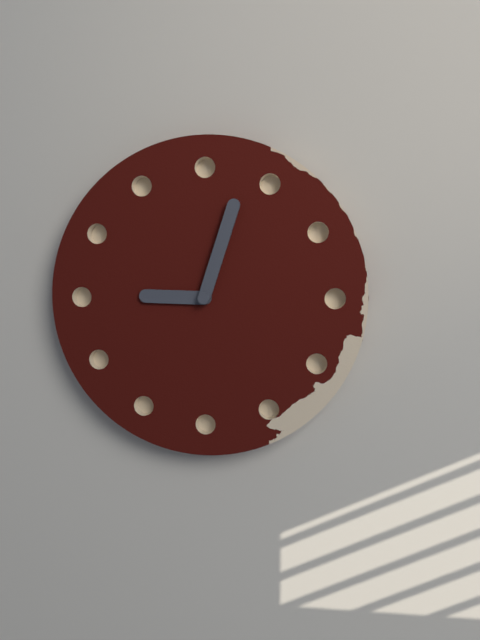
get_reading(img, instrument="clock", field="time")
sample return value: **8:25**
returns **9:03**
